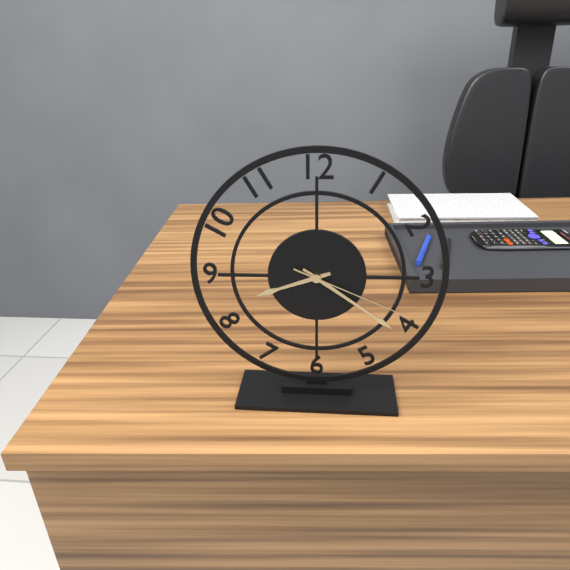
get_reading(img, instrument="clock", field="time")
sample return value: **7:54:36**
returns **8:21:19**
